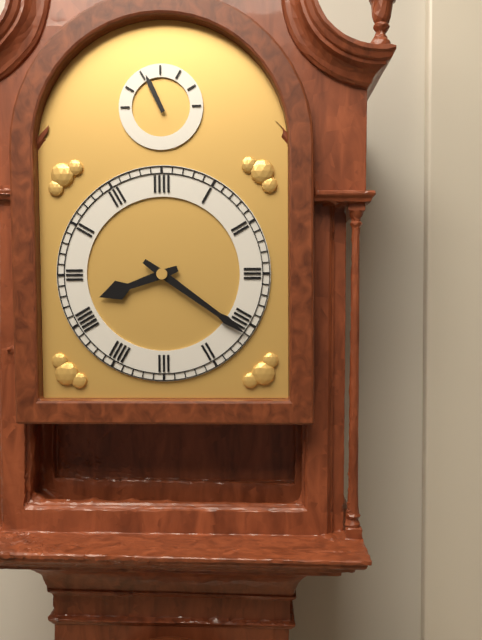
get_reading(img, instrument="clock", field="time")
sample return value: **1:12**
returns **8:21**
